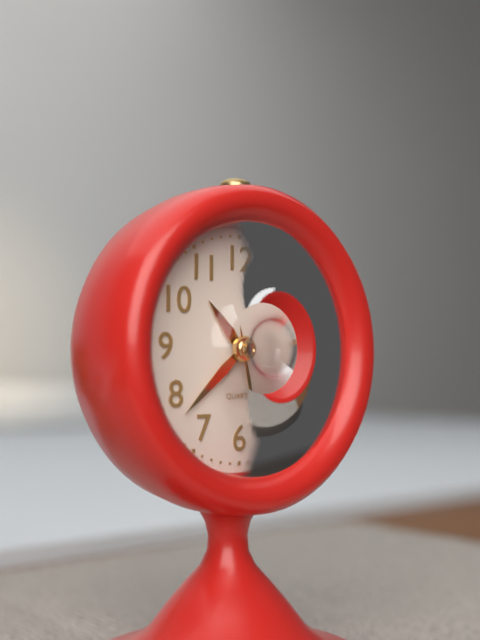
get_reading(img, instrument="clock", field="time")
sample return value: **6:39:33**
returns **10:38:28**
